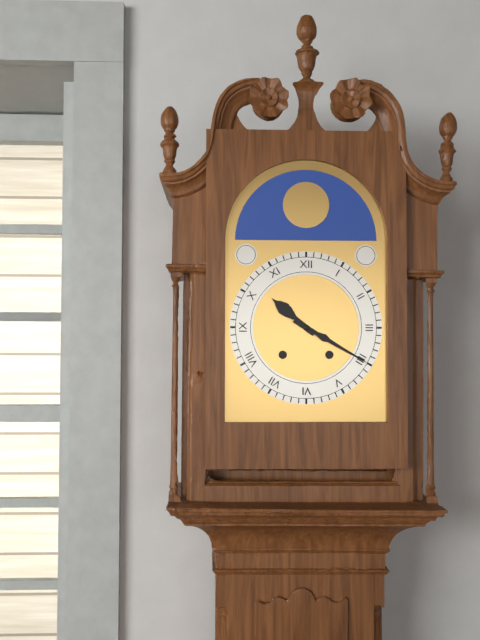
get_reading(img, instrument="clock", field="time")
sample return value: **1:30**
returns **10:20**
